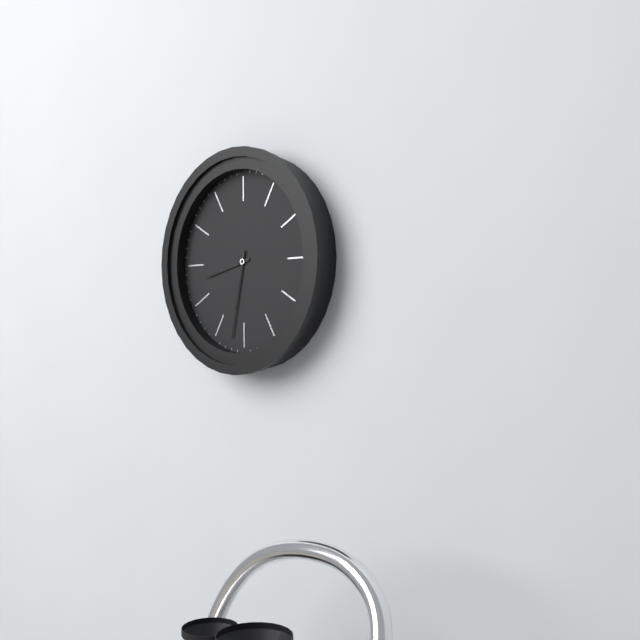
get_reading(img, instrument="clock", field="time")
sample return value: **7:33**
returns **8:32**
